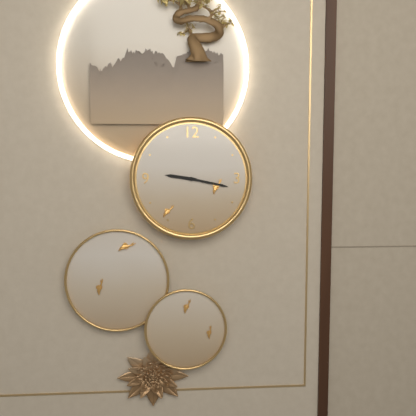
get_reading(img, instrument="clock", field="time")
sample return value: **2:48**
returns **9:17**
